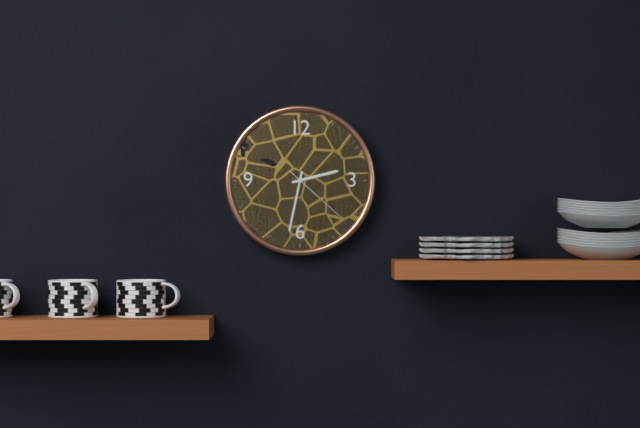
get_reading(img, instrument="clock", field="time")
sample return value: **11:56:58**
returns **2:32:22**
